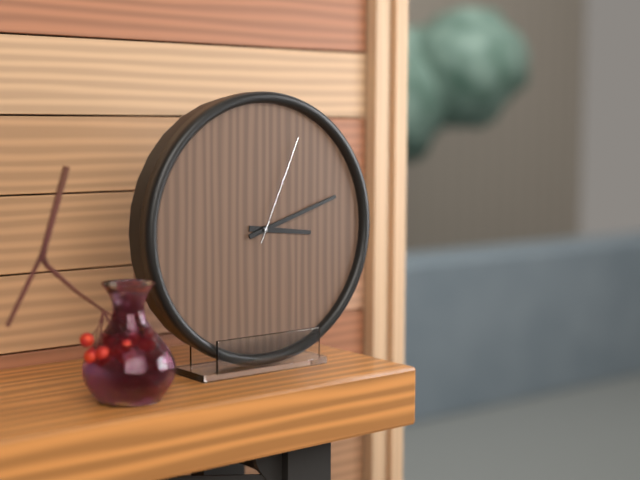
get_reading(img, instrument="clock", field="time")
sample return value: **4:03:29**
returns **3:12:04**
